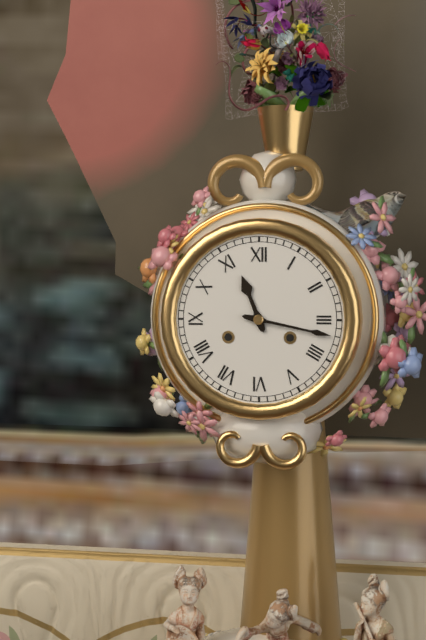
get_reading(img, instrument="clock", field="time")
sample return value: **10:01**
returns **11:17**
